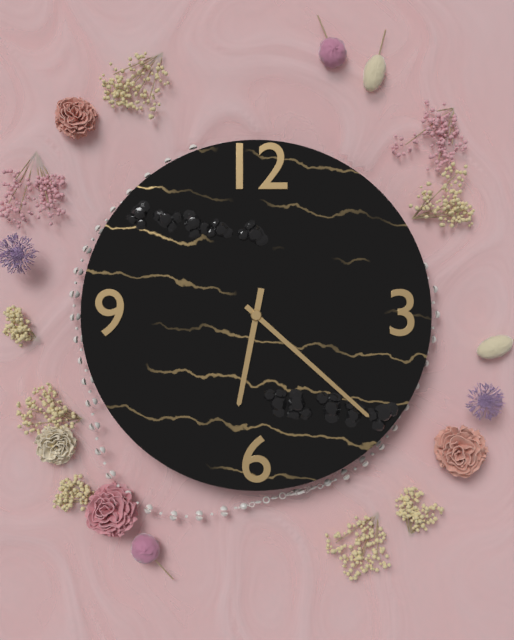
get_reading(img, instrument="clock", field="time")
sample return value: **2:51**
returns **6:22**
